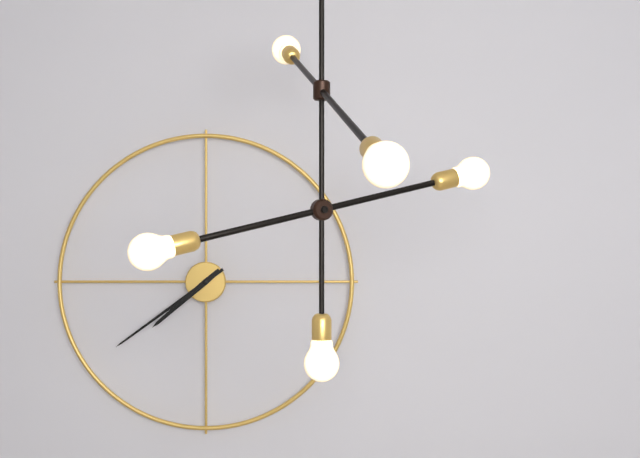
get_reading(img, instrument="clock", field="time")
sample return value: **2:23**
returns **7:39**
